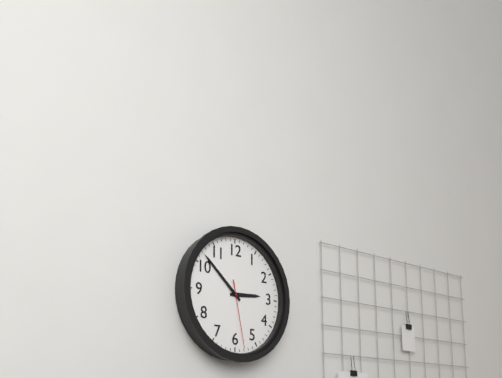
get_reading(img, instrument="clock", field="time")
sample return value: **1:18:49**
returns **2:52:28**
